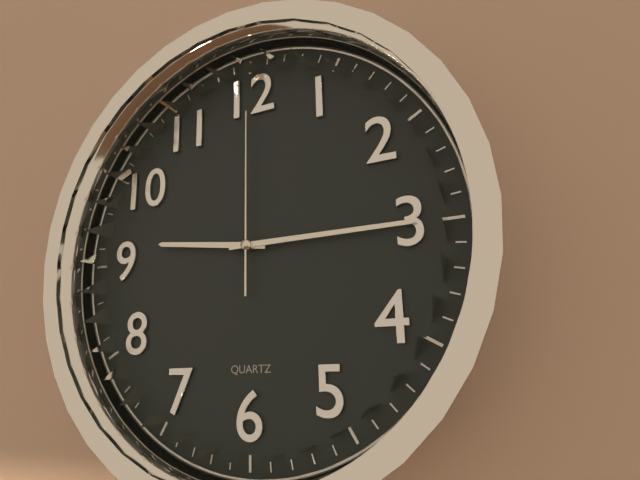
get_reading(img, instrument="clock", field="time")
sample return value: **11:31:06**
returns **9:15:00**
